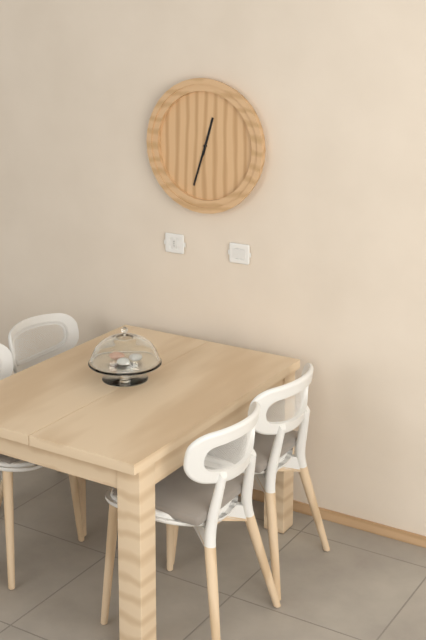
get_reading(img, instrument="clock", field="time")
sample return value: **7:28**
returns **12:33**
